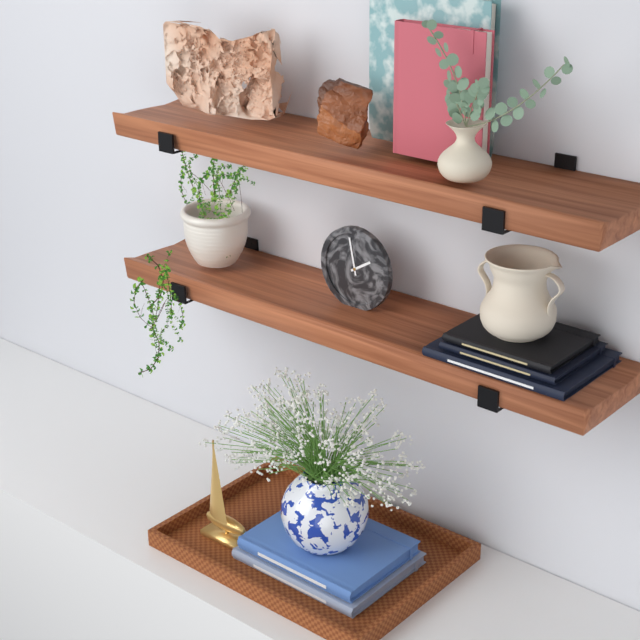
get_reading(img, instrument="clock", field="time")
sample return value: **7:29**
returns **1:58**
